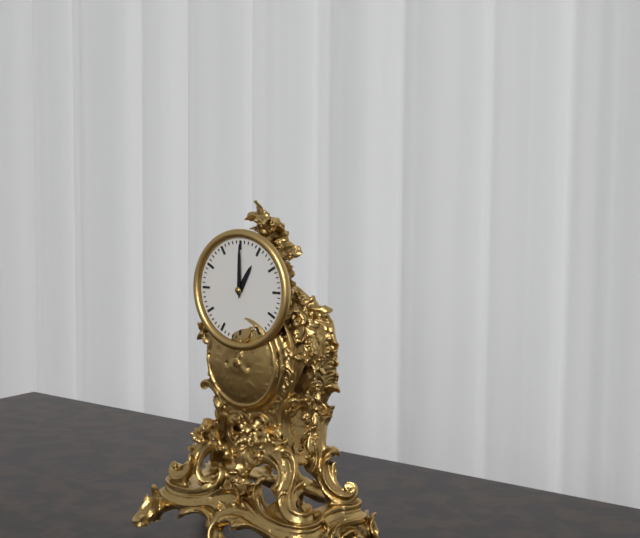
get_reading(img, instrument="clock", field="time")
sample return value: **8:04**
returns **1:00**
